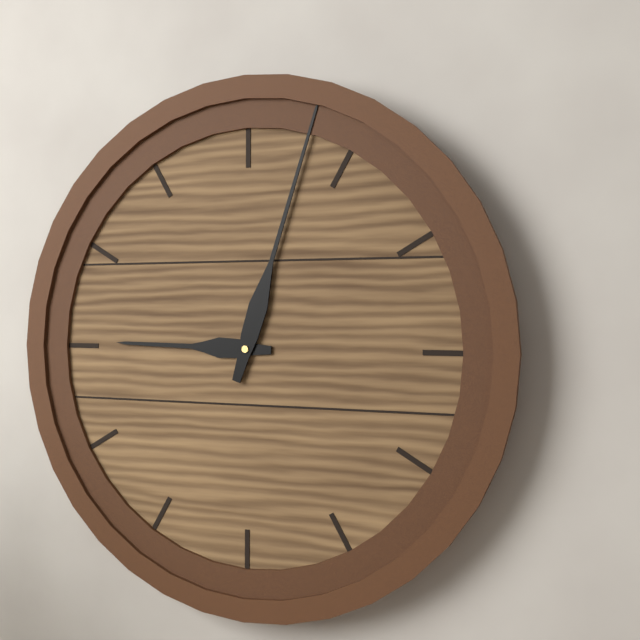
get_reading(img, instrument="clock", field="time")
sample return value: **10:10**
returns **9:03**
